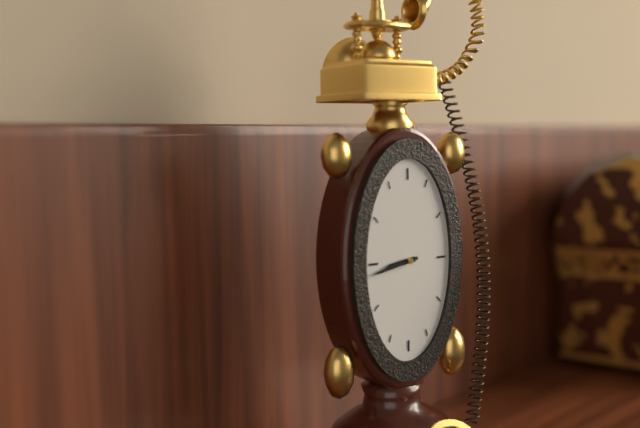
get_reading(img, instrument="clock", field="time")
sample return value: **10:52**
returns **8:43**
